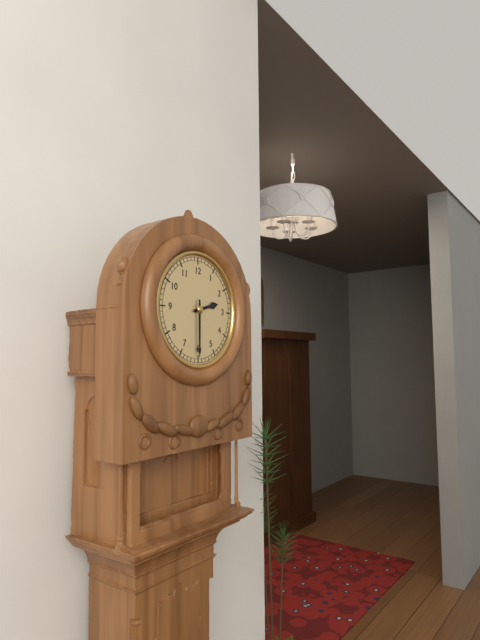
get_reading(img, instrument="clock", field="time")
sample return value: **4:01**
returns **2:30**
